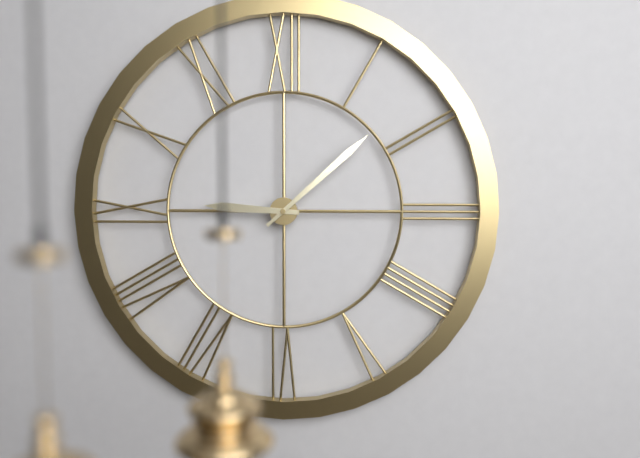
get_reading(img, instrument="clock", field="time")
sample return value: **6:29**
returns **9:08**
